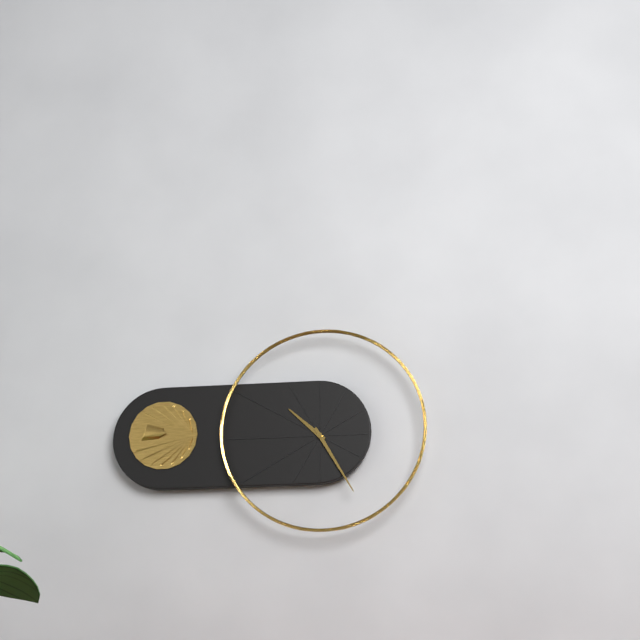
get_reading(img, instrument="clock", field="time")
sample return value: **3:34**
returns **10:25**
